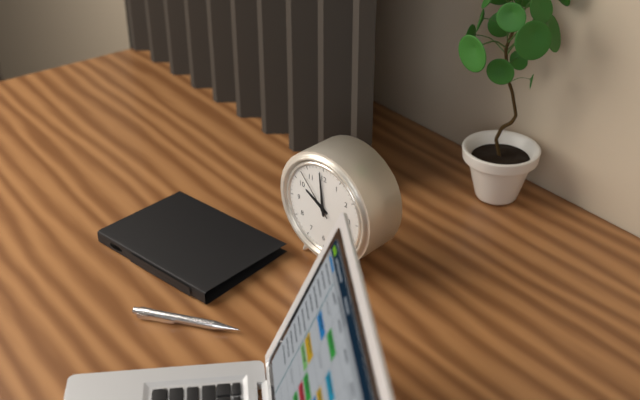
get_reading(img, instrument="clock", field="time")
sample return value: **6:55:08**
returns **9:59:53**
